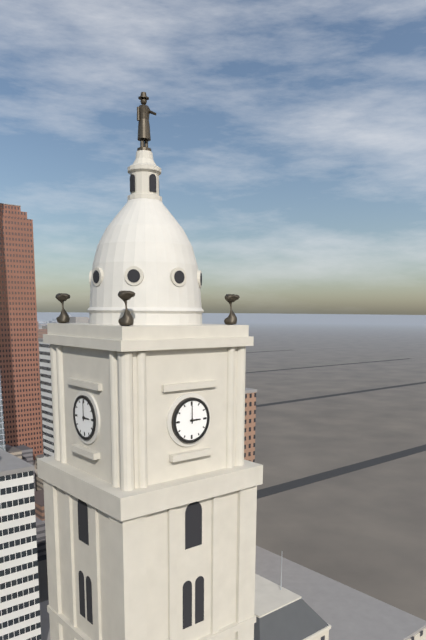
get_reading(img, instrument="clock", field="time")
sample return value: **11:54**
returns **3:00**
